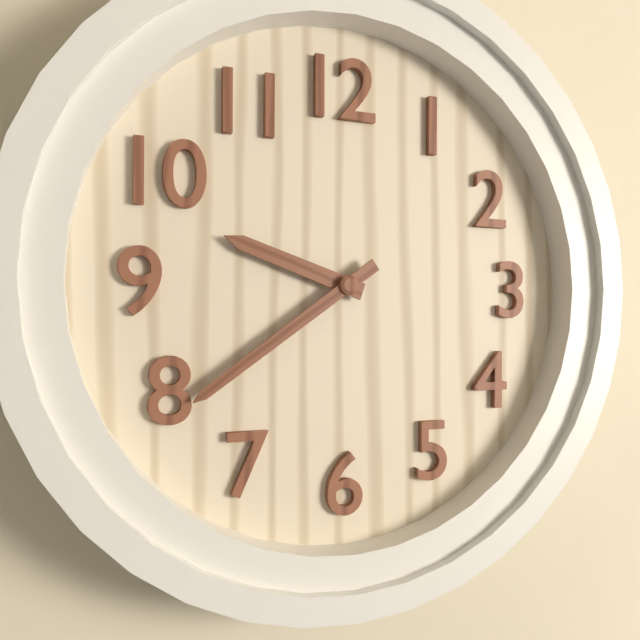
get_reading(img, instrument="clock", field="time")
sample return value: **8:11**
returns **9:39**
